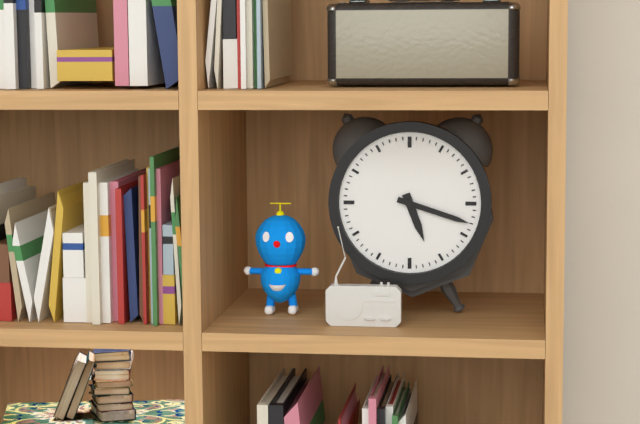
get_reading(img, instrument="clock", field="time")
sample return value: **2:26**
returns **5:18**
